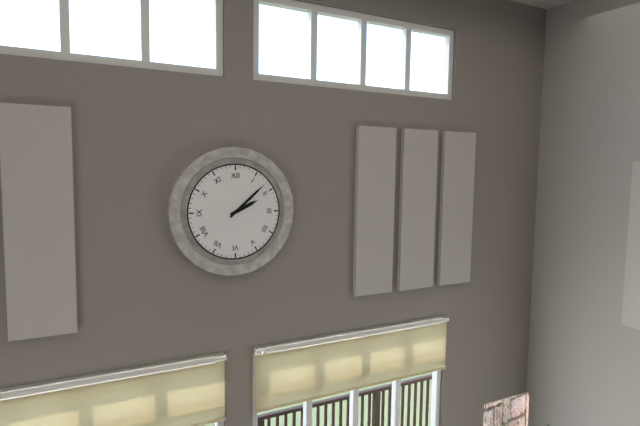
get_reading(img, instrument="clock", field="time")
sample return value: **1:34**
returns **2:08**
